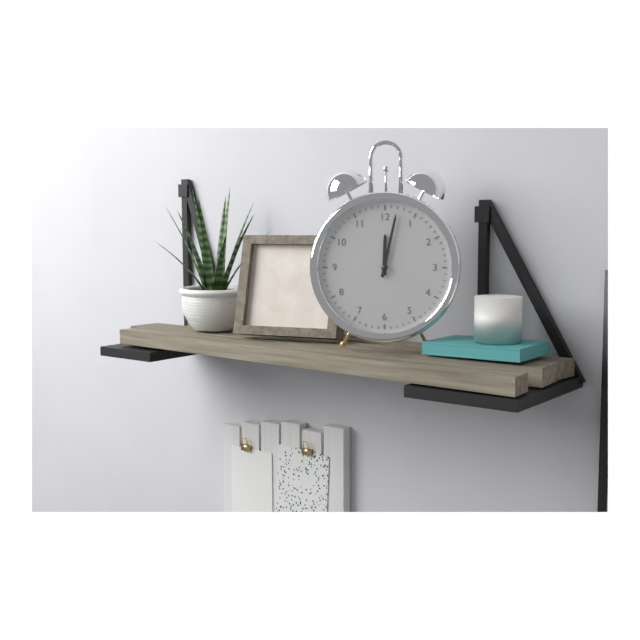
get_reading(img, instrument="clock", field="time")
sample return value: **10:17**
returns **12:02**
